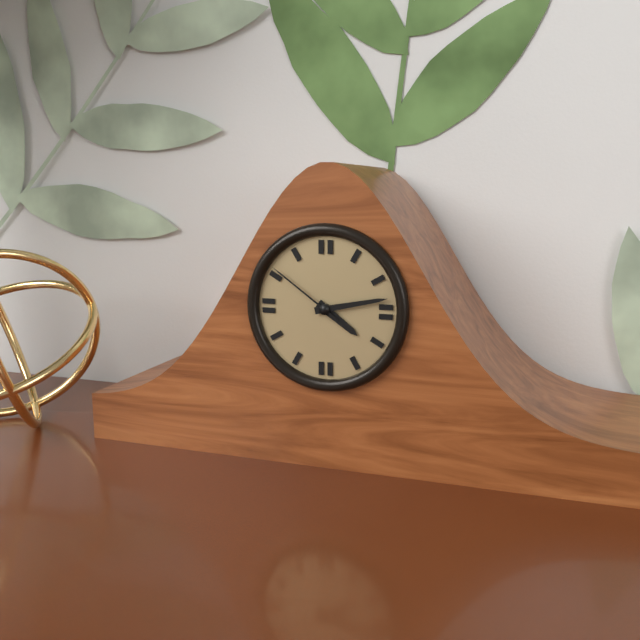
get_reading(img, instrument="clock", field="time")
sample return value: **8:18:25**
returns **4:13:51**
